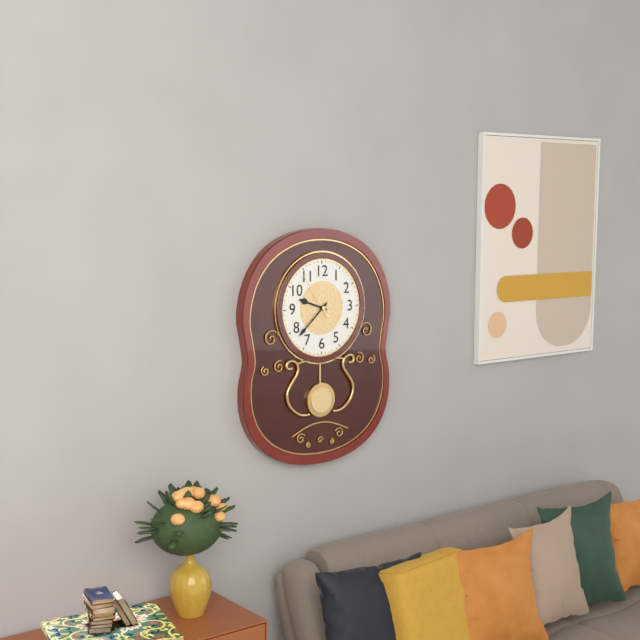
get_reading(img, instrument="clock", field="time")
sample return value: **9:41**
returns **9:38**
